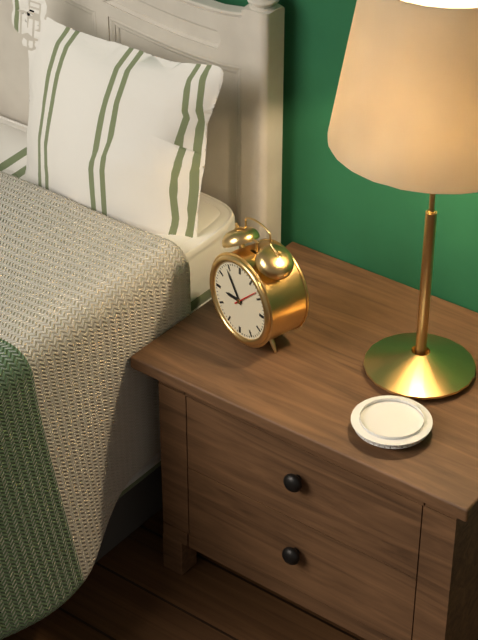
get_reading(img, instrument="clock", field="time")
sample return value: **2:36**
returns **8:54**
